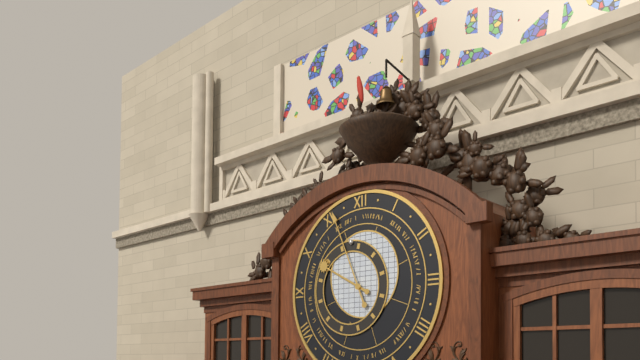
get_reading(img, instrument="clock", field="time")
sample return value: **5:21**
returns **9:56**
